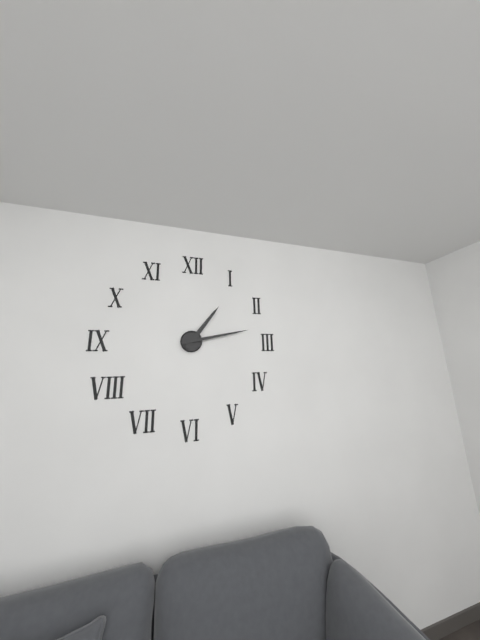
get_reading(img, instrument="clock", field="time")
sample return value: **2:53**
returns **1:13**
